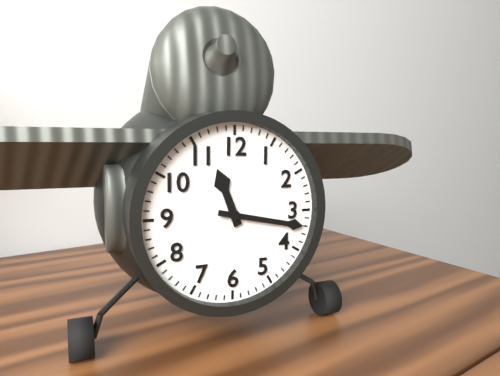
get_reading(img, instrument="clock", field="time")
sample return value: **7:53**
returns **11:17**
